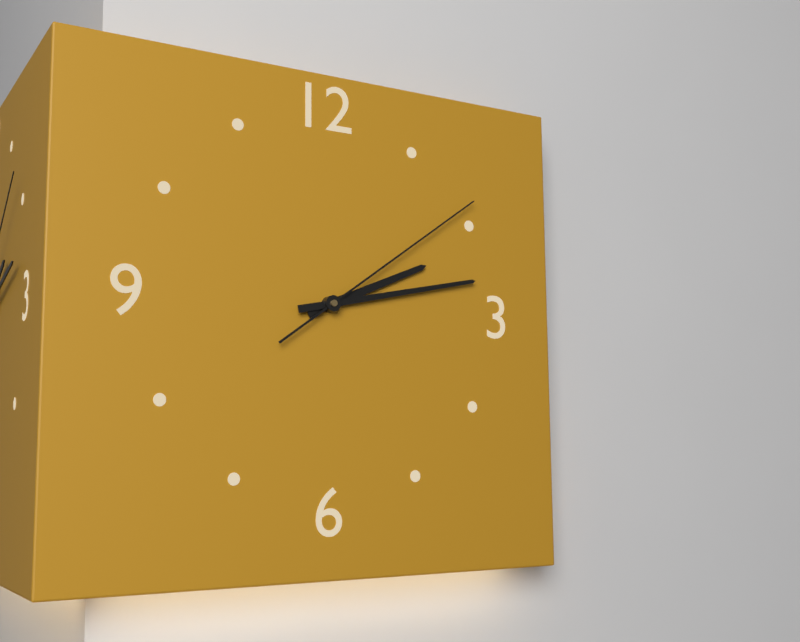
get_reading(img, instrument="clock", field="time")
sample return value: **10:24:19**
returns **2:13:09**
